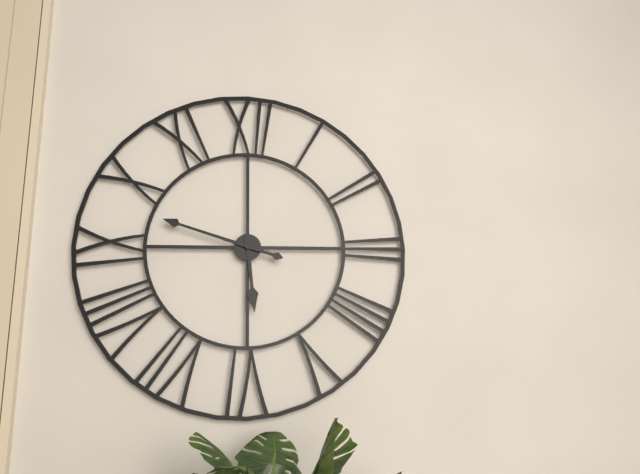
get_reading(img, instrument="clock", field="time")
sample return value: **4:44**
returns **5:48**
